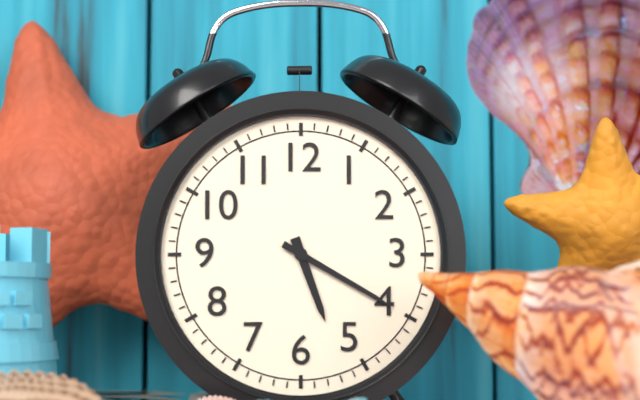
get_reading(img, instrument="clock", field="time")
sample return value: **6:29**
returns **5:20**
